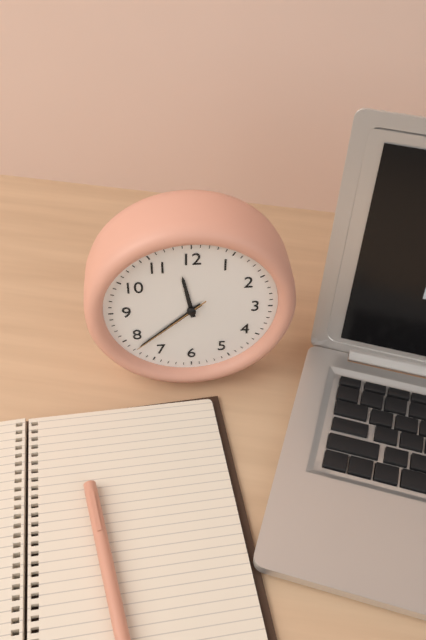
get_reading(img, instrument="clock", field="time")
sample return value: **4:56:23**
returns **11:38:38**
